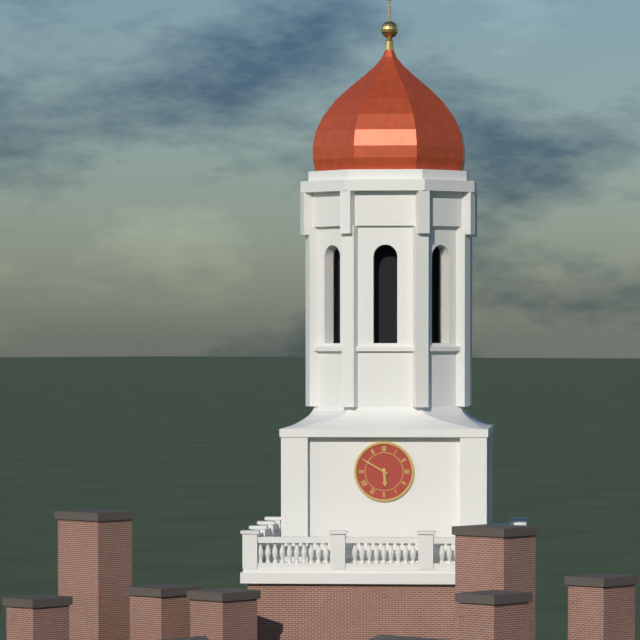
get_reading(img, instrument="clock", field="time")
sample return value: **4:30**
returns **5:50**
